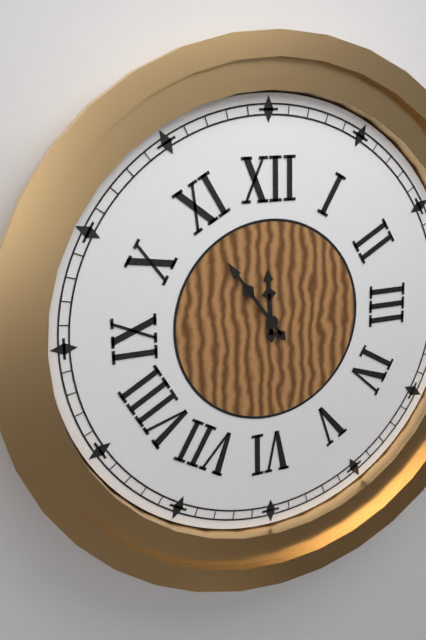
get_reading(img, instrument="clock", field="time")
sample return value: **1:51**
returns **11:54**
